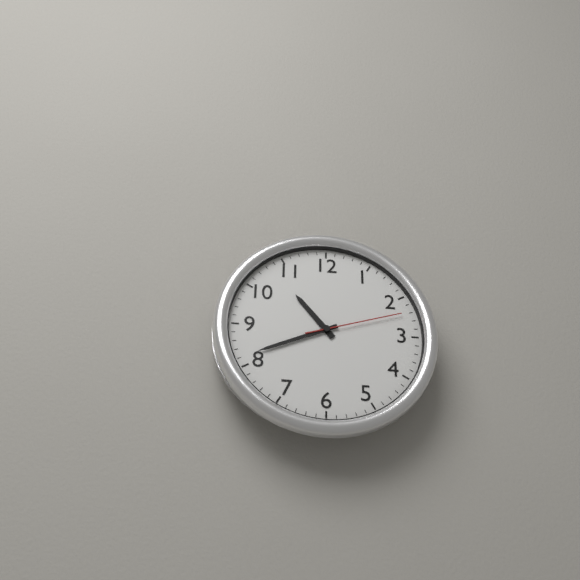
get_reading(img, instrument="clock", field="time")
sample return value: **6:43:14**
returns **10:41:12**
